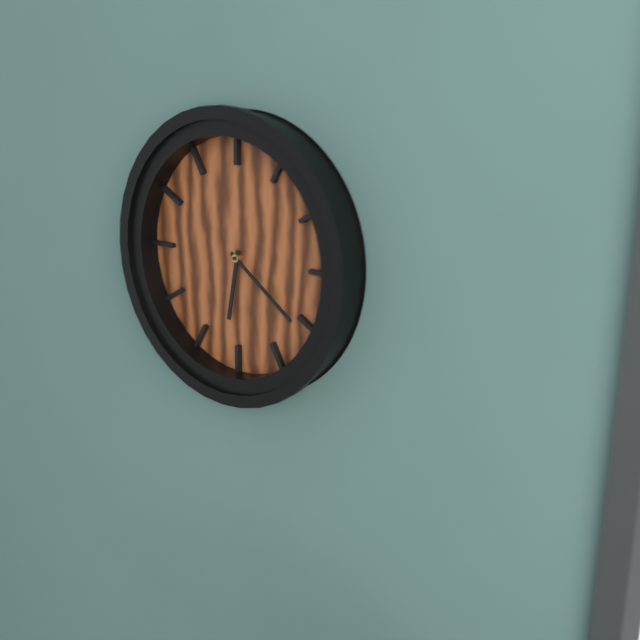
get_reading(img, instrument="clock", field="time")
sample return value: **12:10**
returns **6:21**
